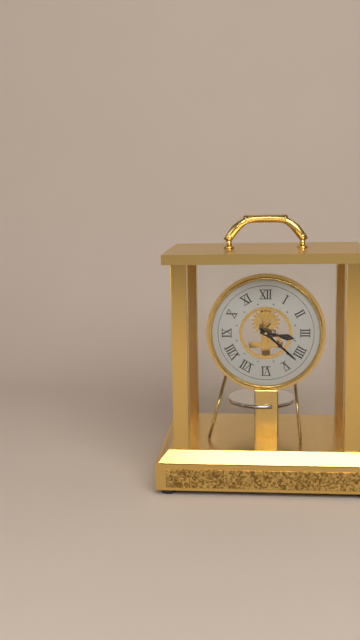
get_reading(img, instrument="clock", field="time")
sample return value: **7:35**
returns **3:22**
